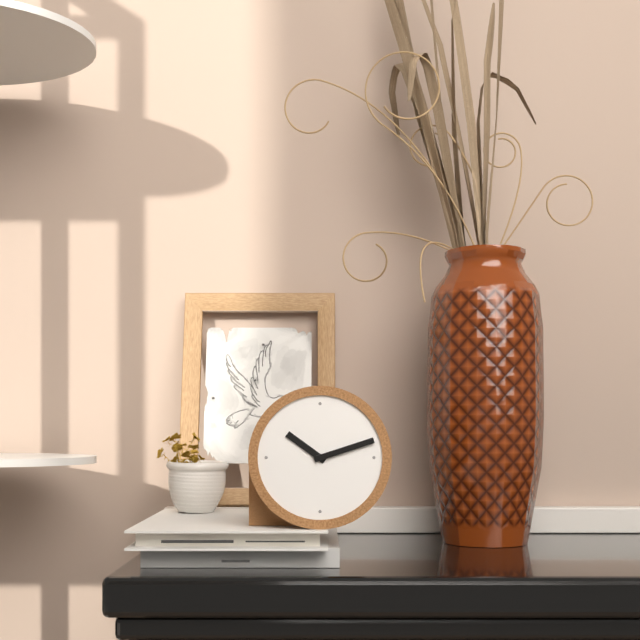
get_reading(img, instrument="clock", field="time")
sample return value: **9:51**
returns **10:12**
